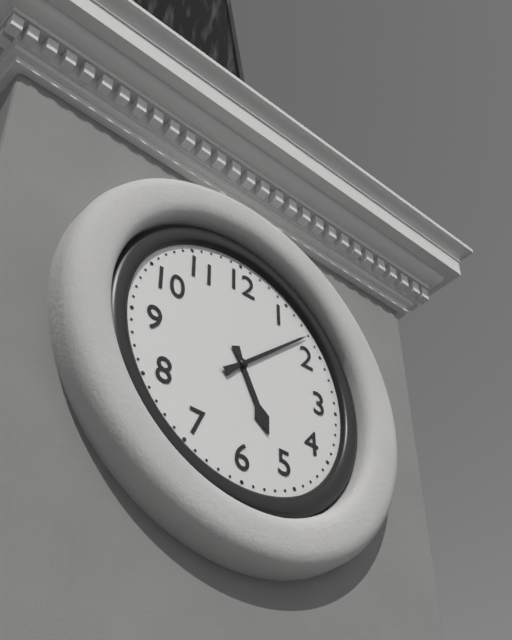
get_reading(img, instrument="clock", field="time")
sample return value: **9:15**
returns **5:08**
